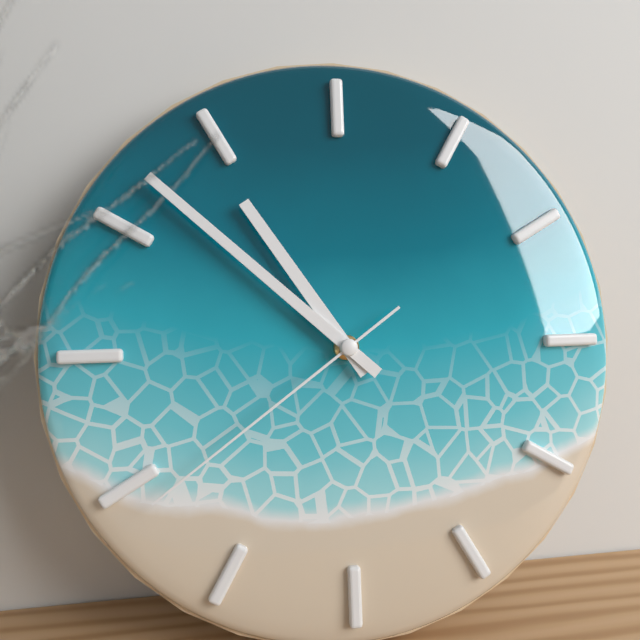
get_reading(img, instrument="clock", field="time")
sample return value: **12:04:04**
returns **10:52:39**
